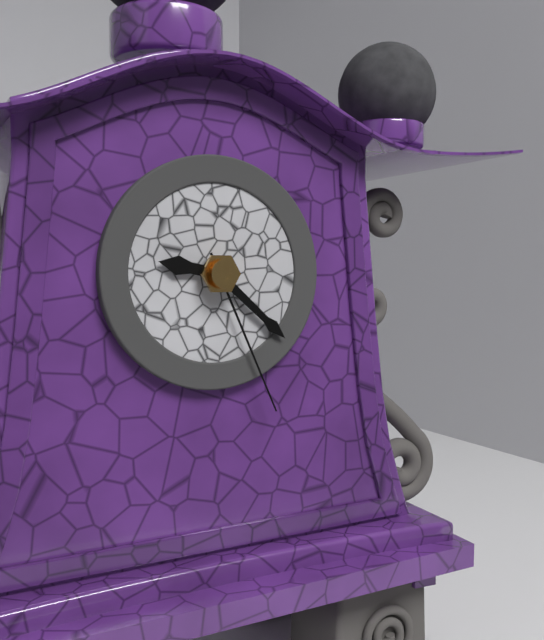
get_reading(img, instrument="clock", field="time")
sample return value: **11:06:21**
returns **9:22:26**
